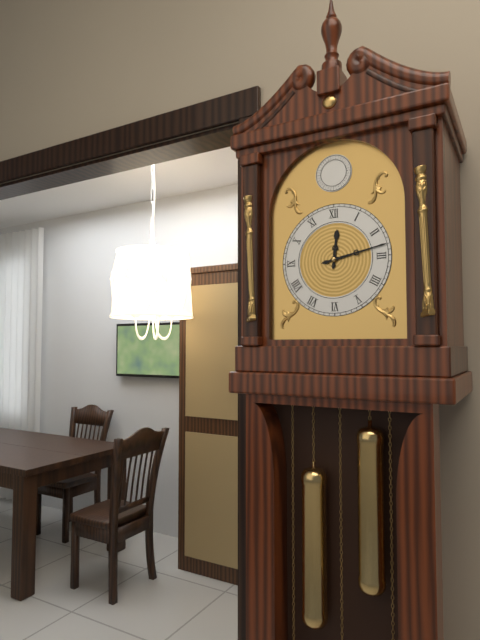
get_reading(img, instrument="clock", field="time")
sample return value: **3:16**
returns **12:13**
